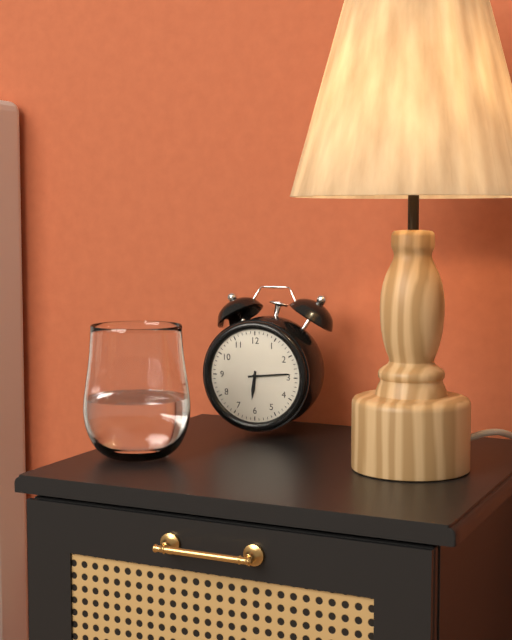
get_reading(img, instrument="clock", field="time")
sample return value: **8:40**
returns **6:14**
